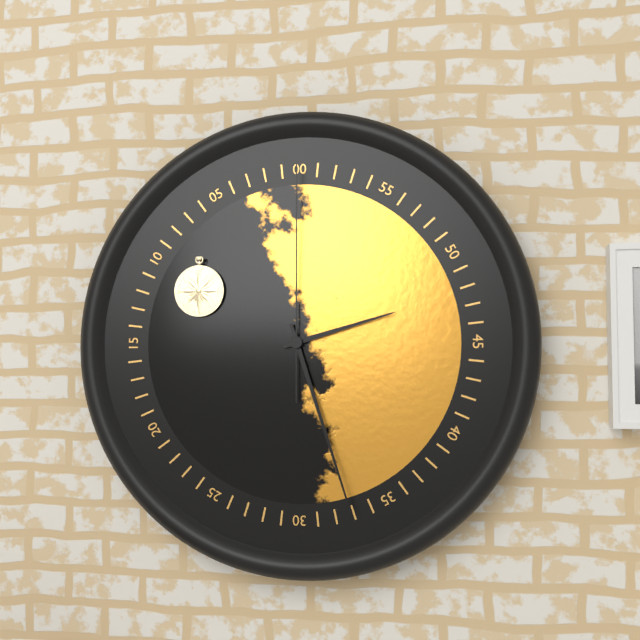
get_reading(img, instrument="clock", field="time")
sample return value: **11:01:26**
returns **2:27:00**
